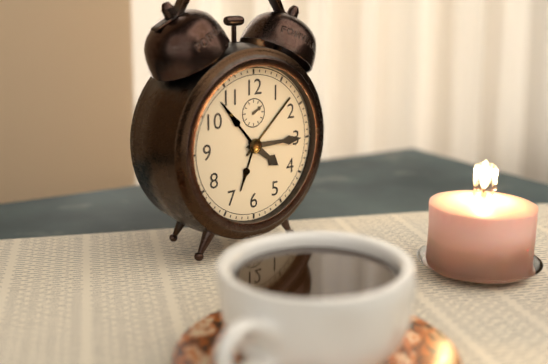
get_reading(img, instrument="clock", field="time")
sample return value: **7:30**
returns **4:15**
